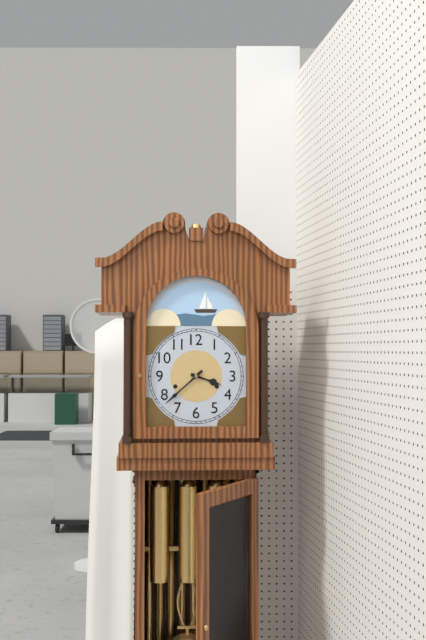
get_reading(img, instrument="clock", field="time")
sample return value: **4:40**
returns **3:38**
